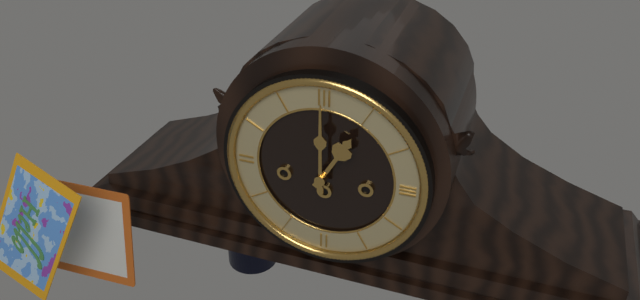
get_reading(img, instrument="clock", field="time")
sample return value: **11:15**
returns **1:00**
